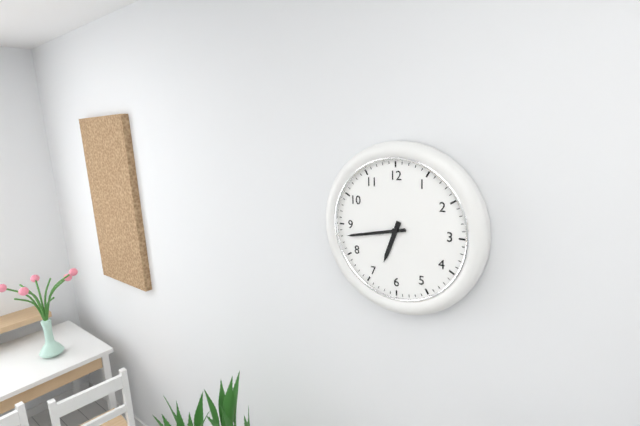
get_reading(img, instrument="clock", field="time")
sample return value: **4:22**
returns **6:43**
